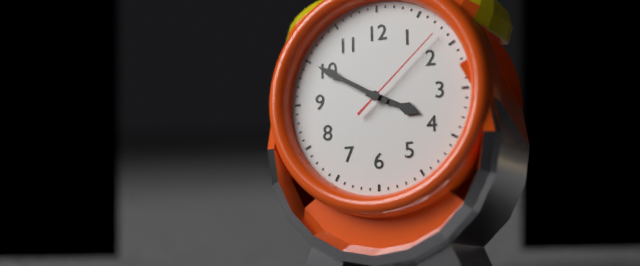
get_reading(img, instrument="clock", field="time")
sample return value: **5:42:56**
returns **3:50:08**
